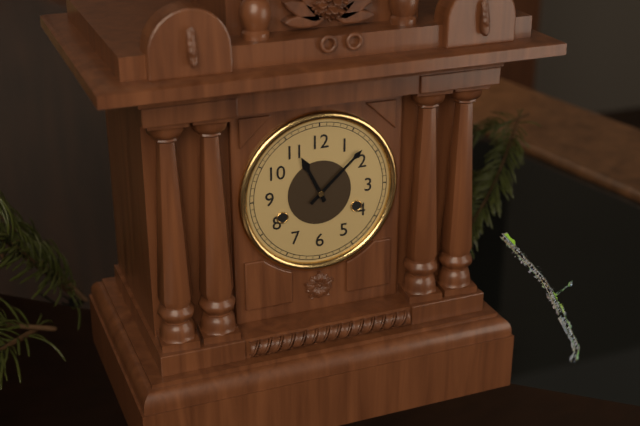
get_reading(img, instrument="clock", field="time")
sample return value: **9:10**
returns **11:08**
